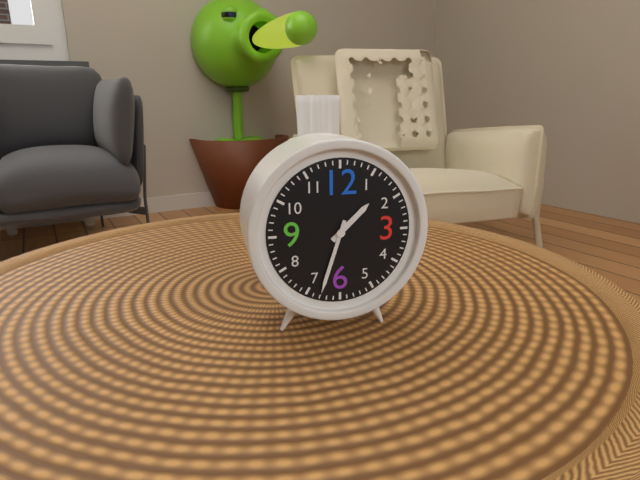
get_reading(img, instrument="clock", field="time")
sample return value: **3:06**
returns **1:33**
